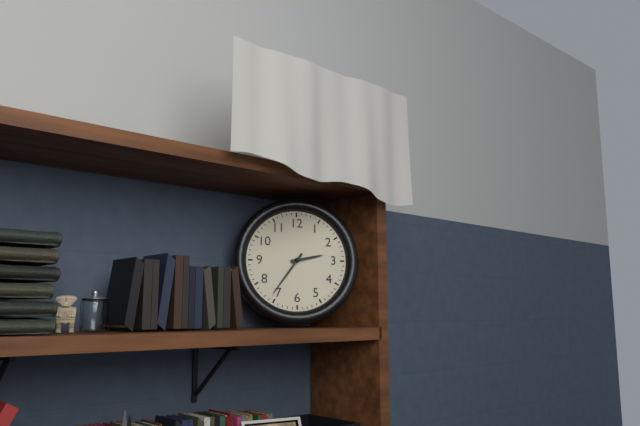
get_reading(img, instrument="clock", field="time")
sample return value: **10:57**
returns **2:36**
